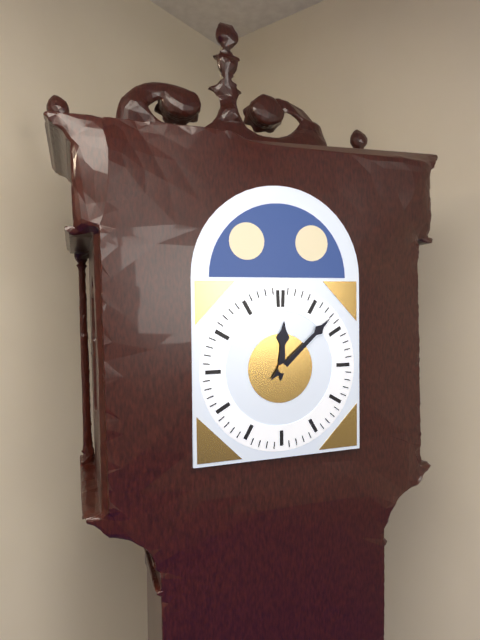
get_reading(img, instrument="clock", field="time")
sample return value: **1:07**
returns **12:08**
